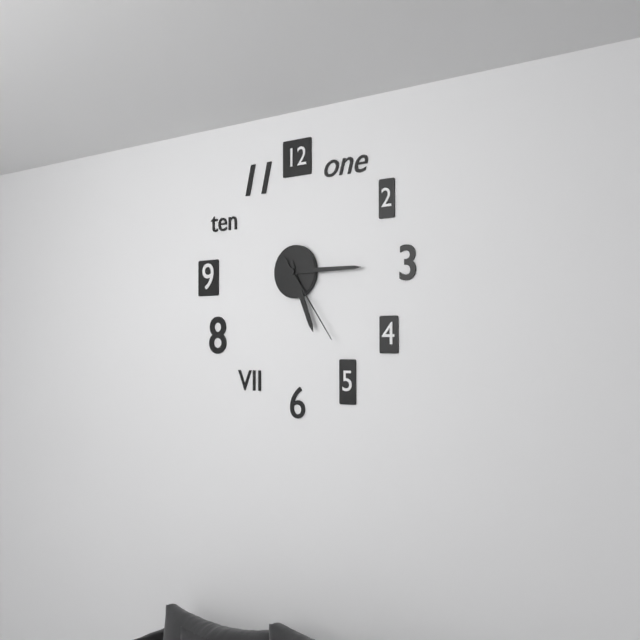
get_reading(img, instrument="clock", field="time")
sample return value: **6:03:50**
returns **5:15:24**
